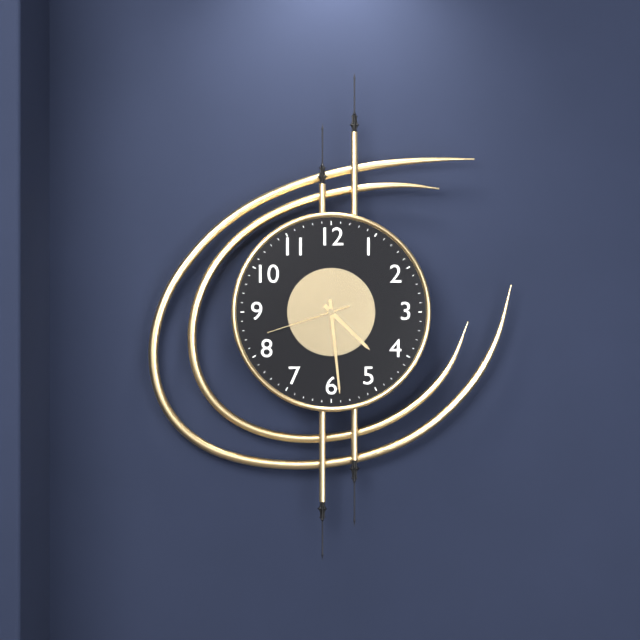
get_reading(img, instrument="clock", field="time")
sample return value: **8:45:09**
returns **4:29:42**
